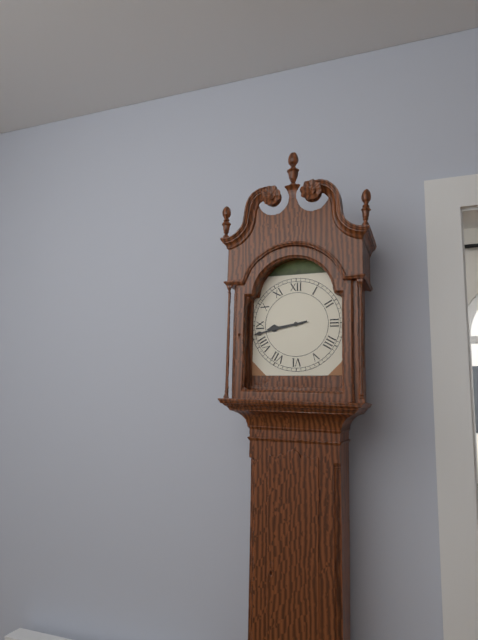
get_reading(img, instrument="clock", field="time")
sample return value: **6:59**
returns **8:43**
